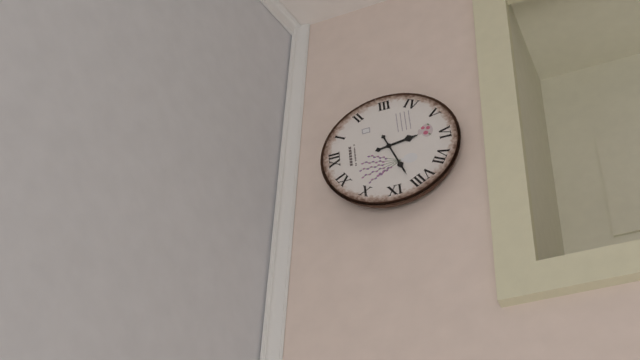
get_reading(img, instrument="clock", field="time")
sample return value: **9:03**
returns **5:42**
